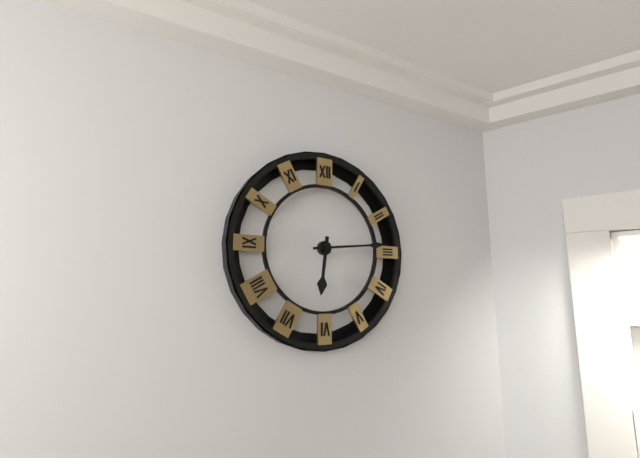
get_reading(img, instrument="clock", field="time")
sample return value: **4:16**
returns **6:14**
